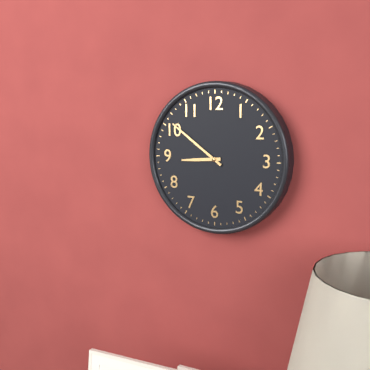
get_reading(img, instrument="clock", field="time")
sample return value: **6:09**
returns **8:51**
